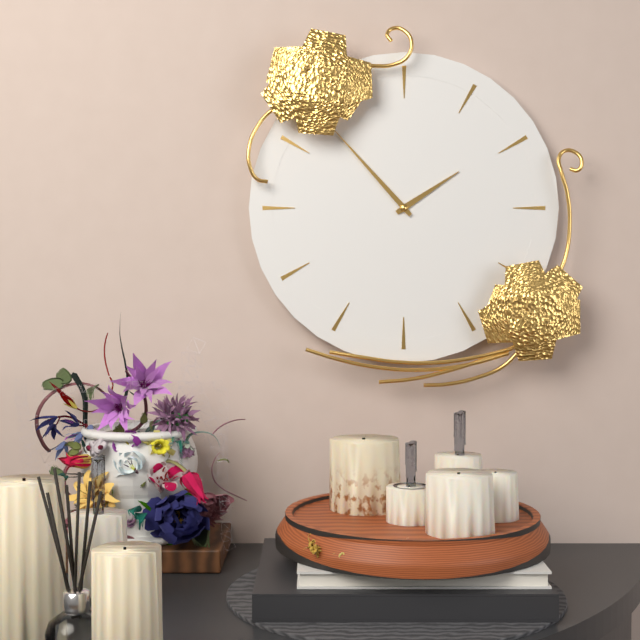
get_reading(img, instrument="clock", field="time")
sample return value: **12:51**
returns **1:53**
